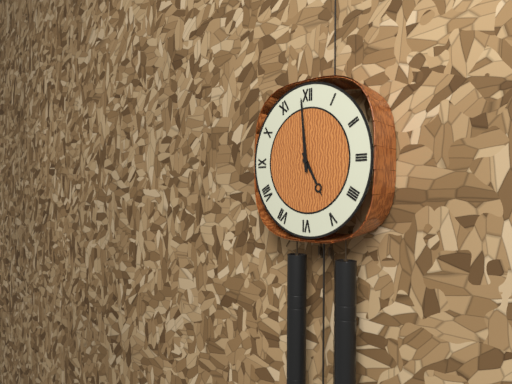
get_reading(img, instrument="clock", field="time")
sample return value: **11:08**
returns **4:59**
